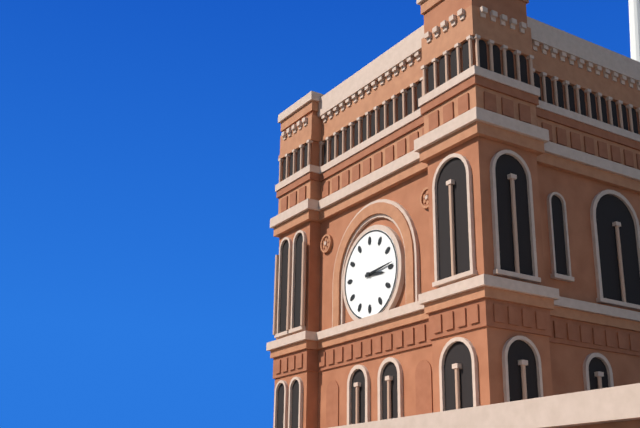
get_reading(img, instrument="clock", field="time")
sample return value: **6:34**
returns **3:14**
